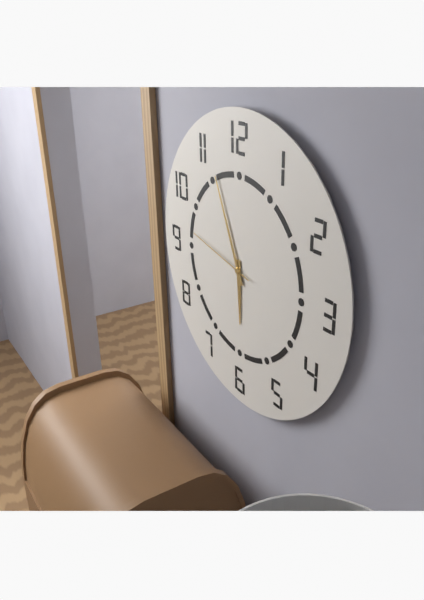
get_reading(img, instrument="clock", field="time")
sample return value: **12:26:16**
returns **5:56:47**
